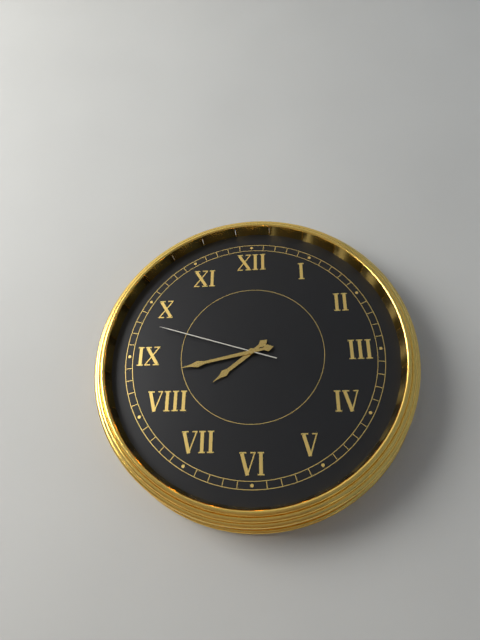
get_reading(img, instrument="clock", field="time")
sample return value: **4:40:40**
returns **7:43:48**
